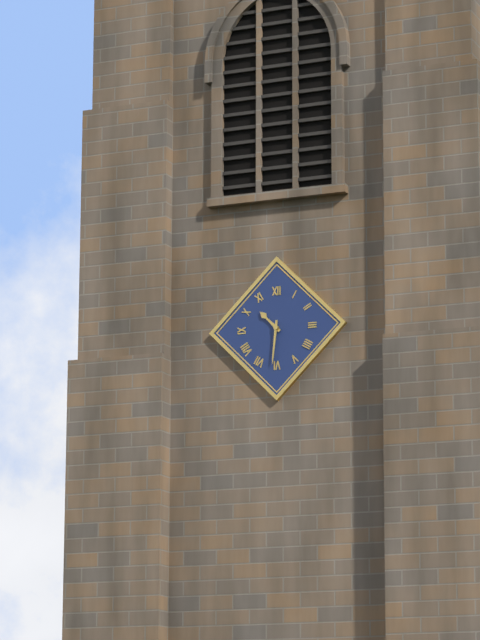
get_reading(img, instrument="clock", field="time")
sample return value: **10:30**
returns **10:31**
